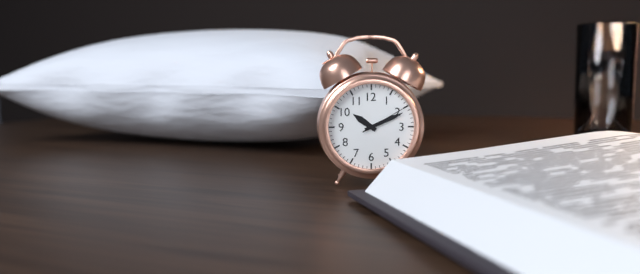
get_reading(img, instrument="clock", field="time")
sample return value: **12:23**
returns **10:11**
